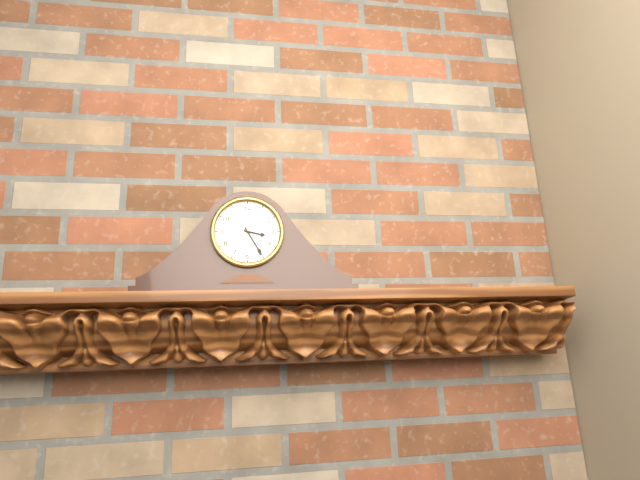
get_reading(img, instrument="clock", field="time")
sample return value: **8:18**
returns **3:25**
